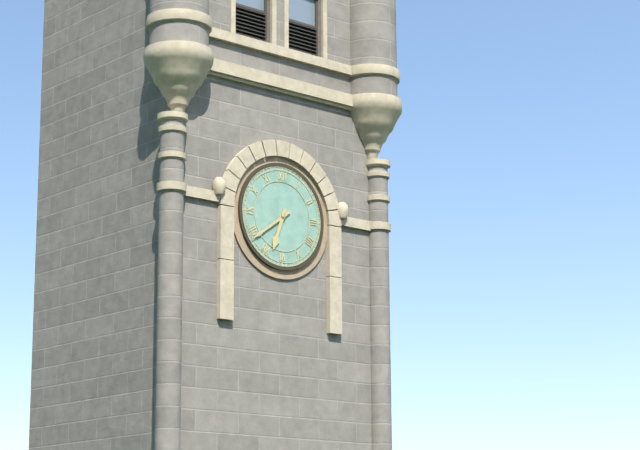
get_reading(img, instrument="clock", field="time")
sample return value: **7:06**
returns **6:39**
